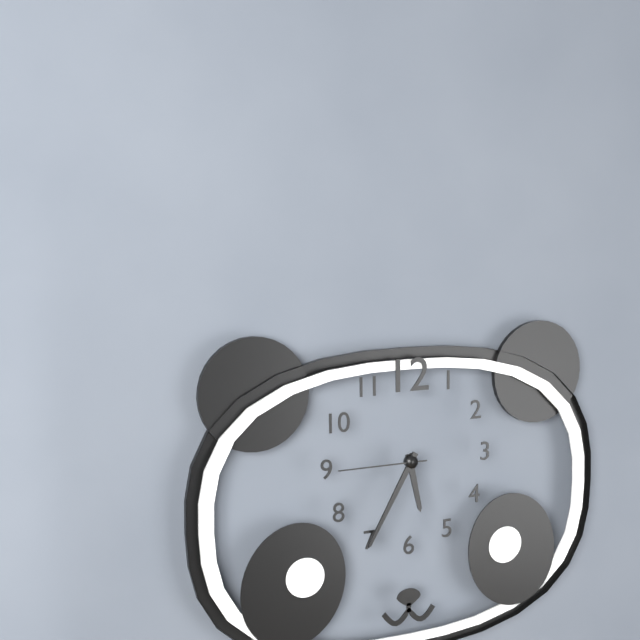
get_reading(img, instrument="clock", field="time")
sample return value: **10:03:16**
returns **5:35:45**
